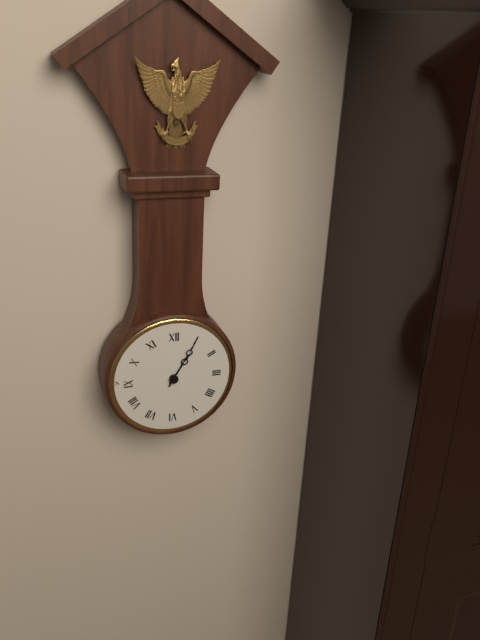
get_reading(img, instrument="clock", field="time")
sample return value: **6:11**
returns **1:05**
